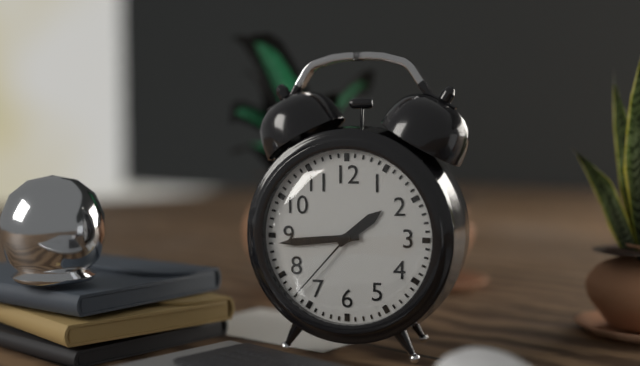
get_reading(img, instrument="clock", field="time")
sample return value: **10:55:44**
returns **1:44:37**
